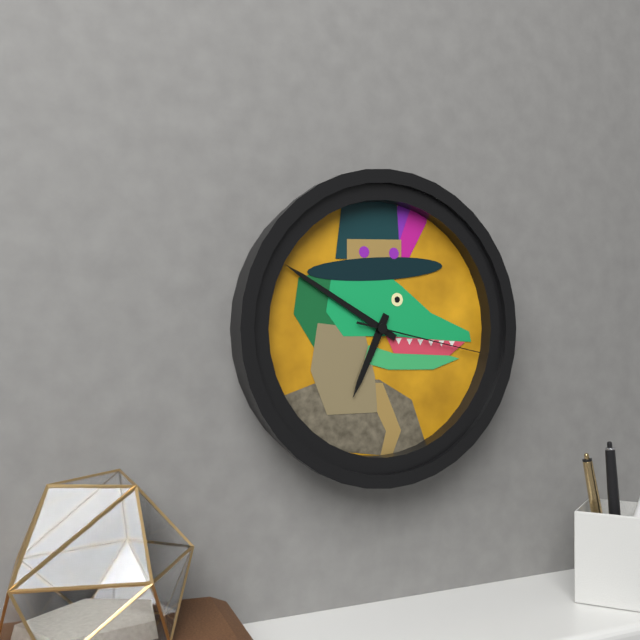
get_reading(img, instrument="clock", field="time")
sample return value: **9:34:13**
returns **6:50:17**
